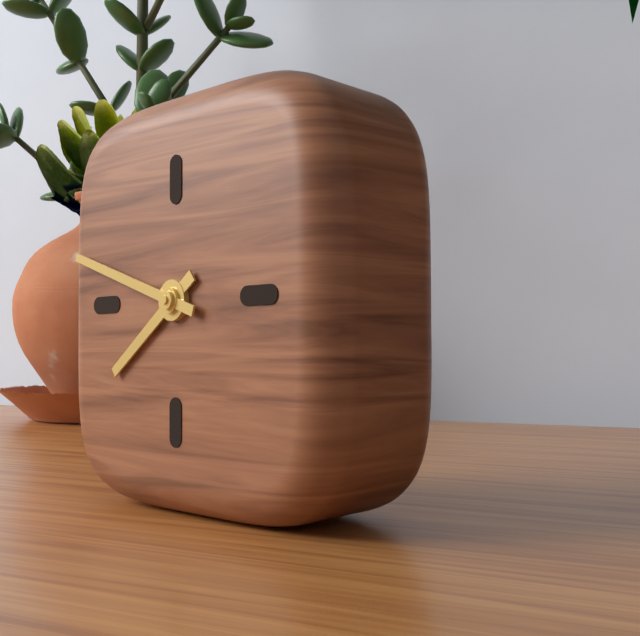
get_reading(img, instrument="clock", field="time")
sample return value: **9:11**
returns **7:48**
